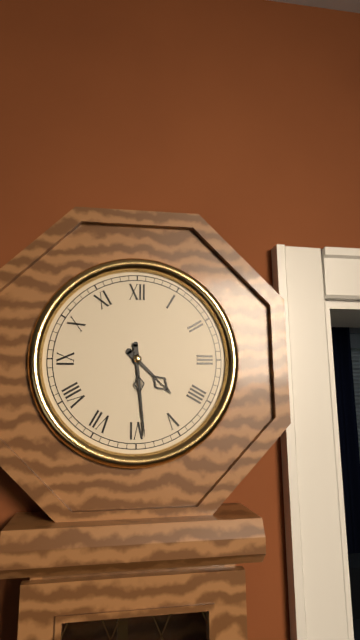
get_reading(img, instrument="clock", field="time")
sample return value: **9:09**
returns **4:29**
